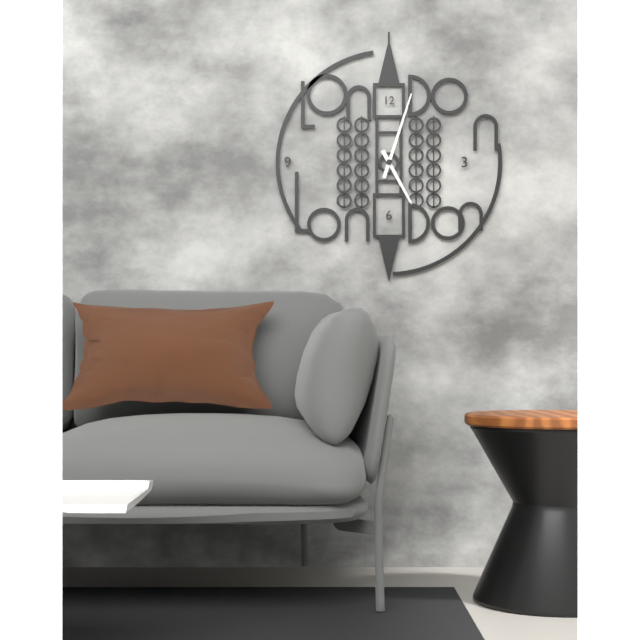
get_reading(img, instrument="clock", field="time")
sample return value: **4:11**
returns **5:03**
